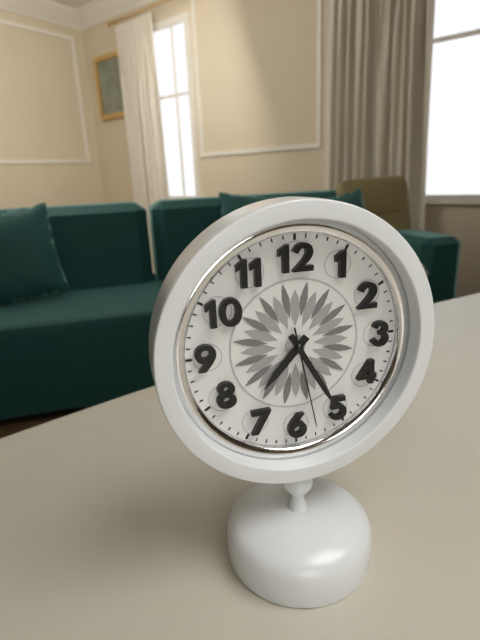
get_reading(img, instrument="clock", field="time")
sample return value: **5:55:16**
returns **7:25:28**
